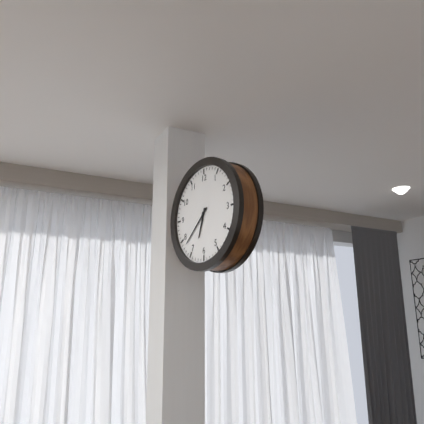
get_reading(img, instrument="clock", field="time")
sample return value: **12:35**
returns **6:38**
